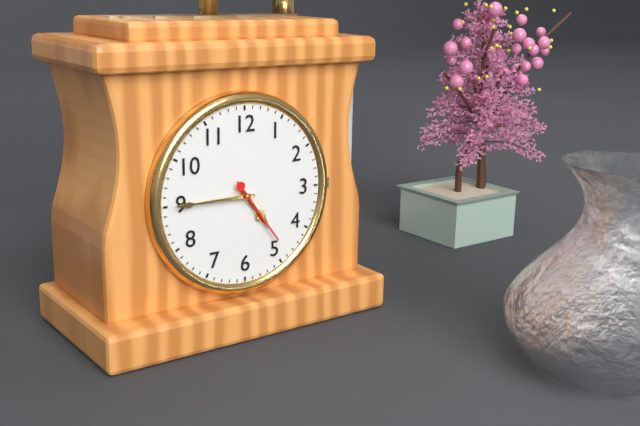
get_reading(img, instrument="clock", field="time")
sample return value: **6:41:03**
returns **4:45:24**
